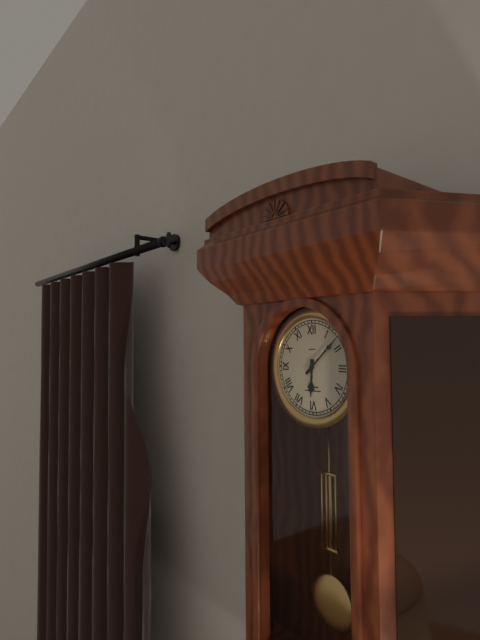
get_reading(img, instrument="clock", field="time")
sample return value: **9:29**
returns **6:08**
